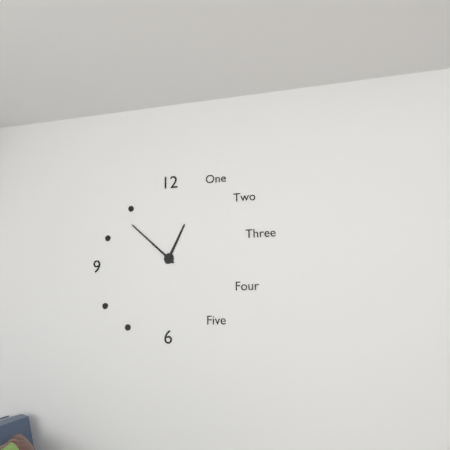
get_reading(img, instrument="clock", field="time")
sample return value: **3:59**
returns **12:52**
